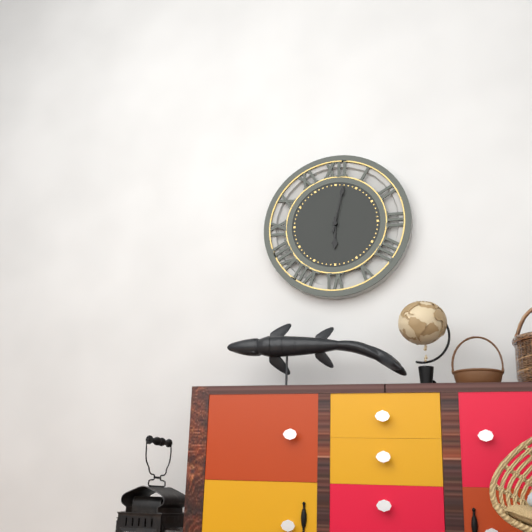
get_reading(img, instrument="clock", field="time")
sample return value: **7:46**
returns **6:02**
